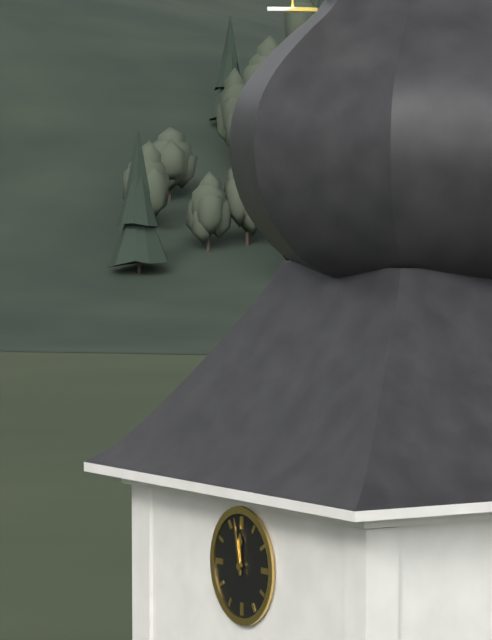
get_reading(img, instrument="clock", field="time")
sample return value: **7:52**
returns **11:58**
